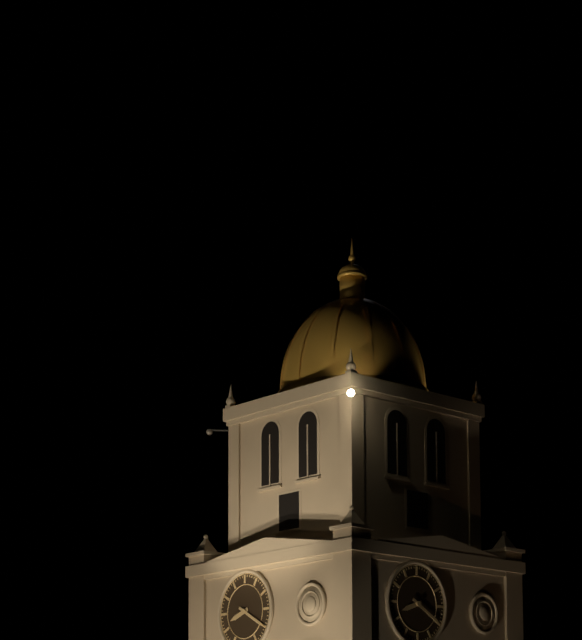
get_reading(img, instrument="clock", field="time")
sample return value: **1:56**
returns **8:20**
